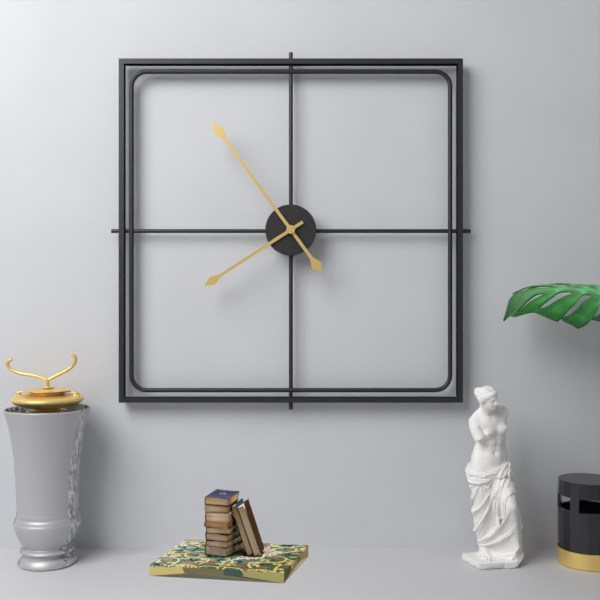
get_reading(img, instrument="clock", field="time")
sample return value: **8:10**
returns **7:54**
